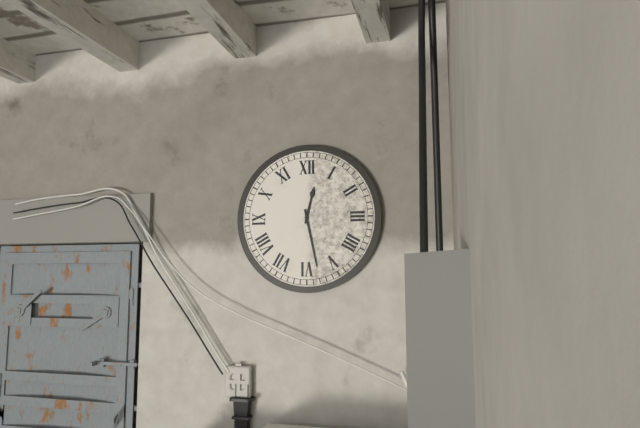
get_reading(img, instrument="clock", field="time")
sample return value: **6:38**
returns **12:28**
